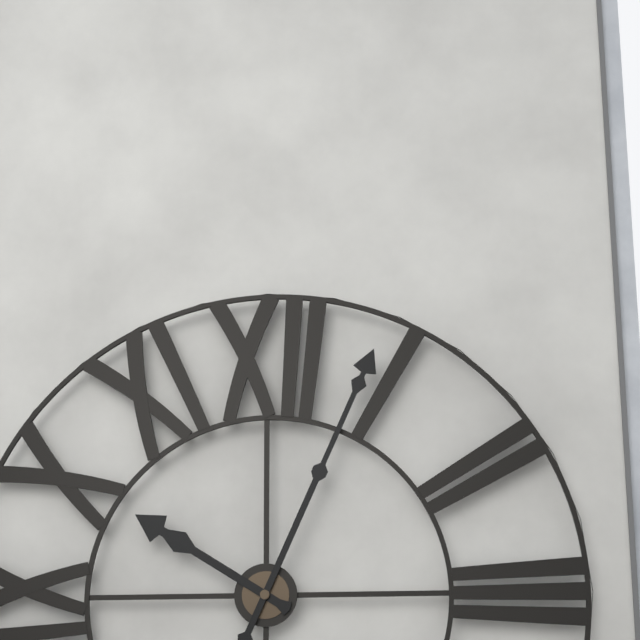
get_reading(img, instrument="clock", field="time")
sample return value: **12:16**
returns **10:04**
